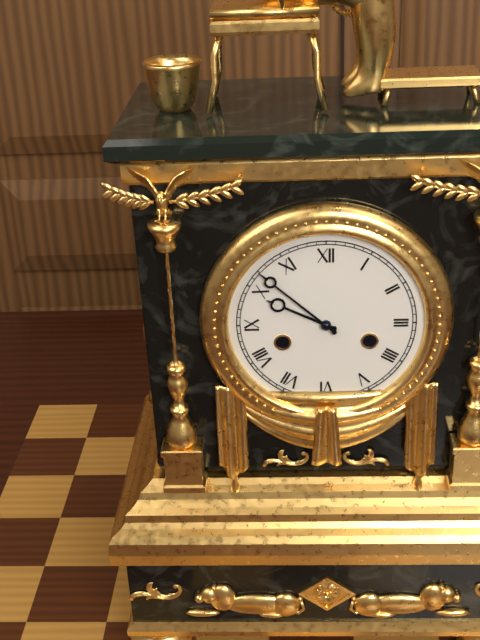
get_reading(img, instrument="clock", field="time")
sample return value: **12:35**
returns **9:52**
